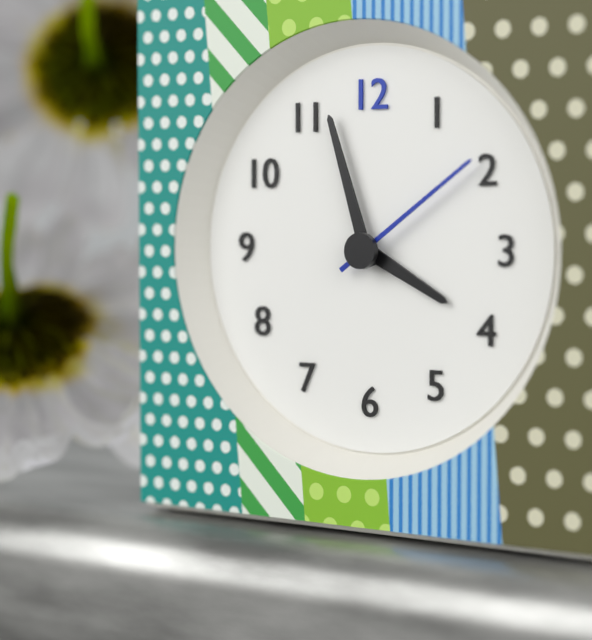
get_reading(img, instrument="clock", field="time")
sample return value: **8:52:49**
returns **3:57:09**
